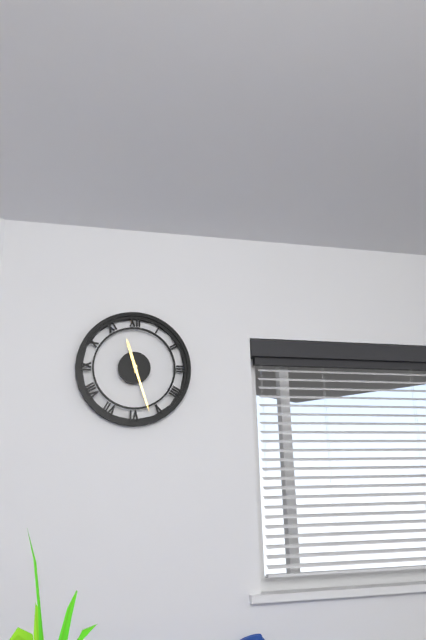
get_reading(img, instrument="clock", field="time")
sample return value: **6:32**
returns **11:27**
